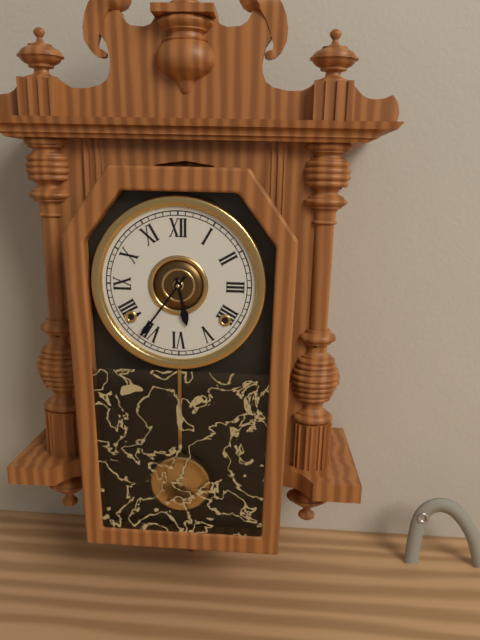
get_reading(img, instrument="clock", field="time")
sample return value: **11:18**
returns **5:36**
